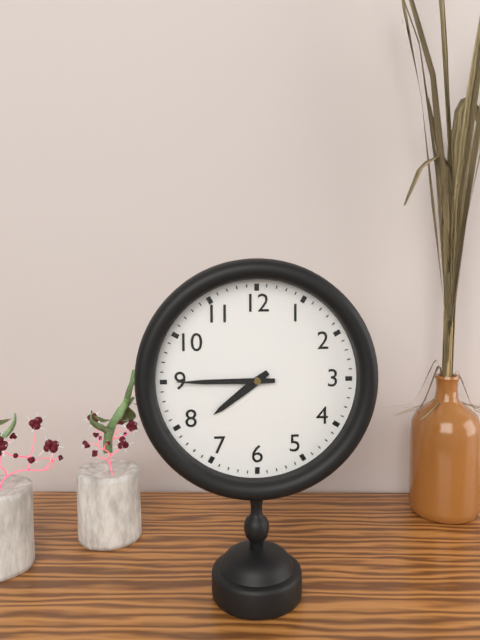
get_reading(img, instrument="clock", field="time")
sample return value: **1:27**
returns **7:45**
